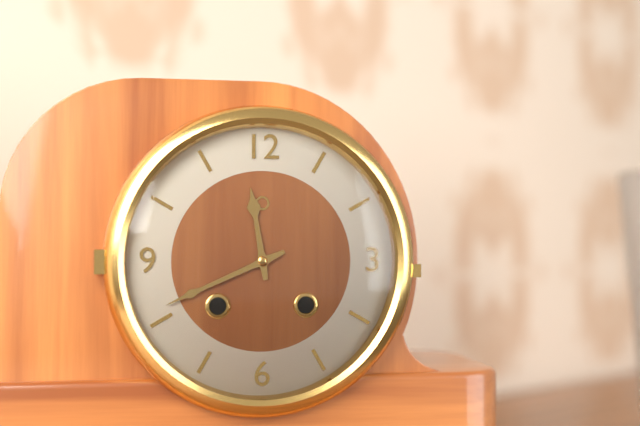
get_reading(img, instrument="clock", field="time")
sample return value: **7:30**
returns **11:41**
